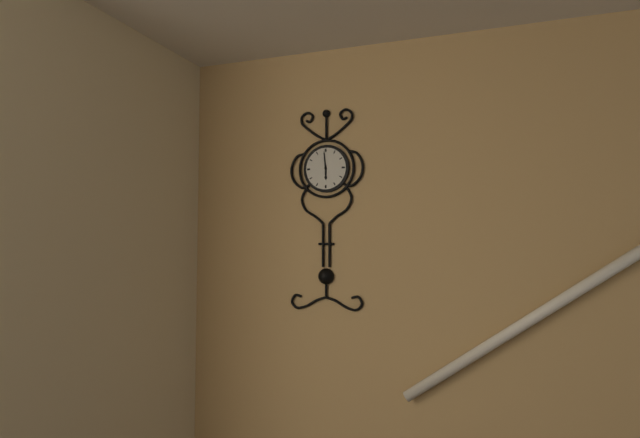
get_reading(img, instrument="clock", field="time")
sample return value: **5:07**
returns **5:59**
